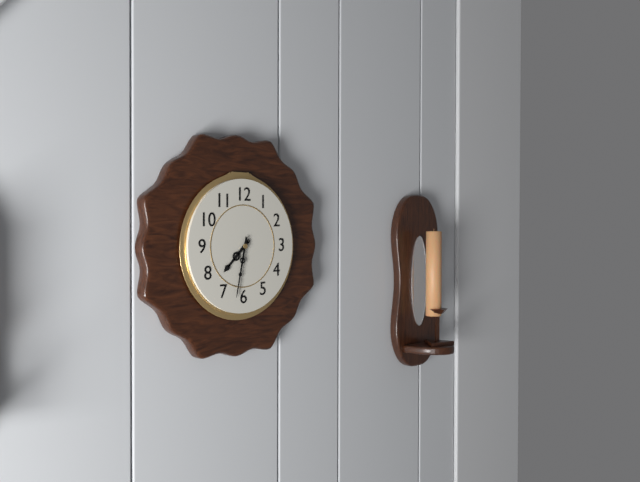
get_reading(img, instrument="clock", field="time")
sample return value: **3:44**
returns **7:32**
